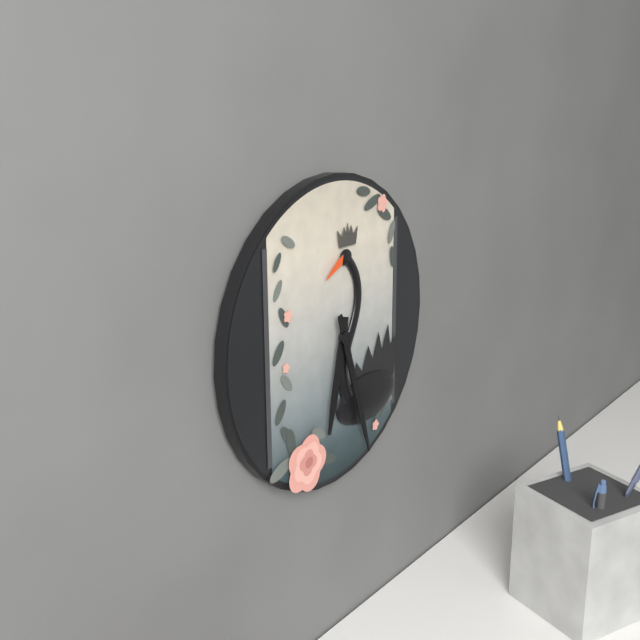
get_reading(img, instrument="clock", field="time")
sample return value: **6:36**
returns **6:27**
